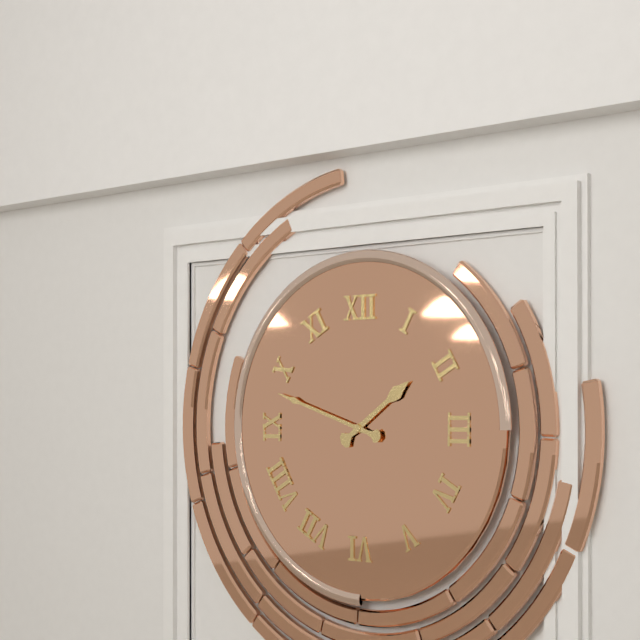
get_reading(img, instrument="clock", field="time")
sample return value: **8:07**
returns **1:48**
